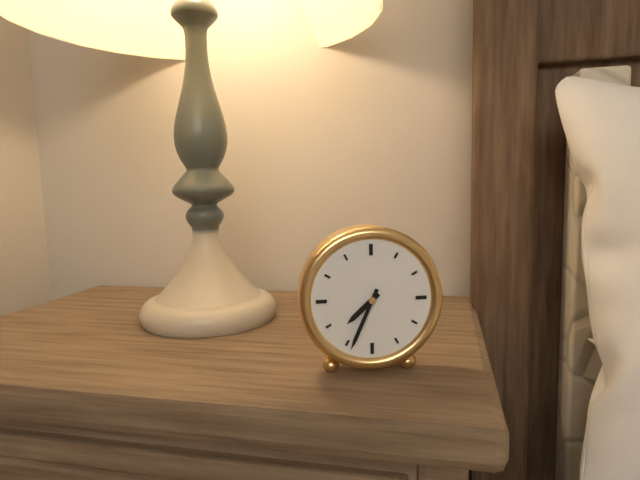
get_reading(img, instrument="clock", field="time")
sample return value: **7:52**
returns **7:34**
